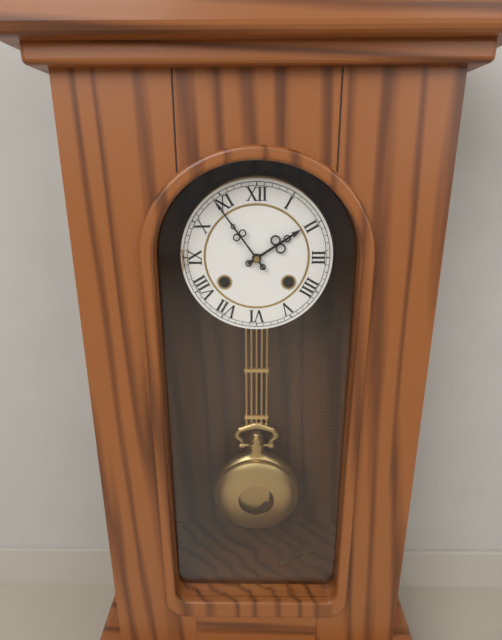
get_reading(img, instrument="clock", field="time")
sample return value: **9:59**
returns **1:54**
